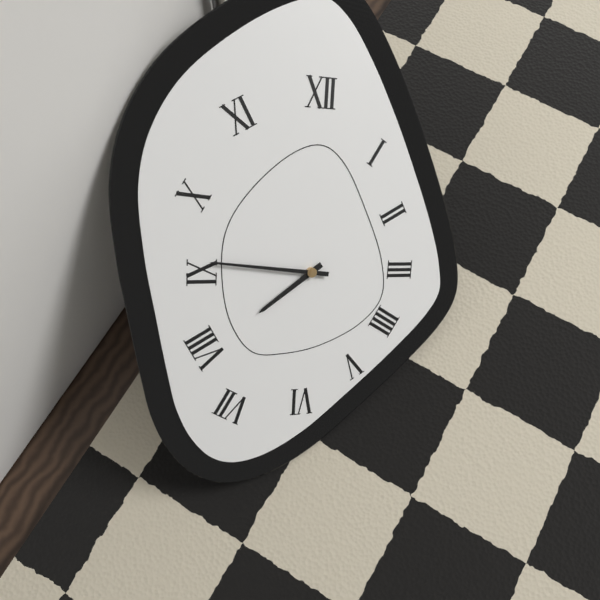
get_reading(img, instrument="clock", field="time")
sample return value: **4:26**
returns **7:46**
